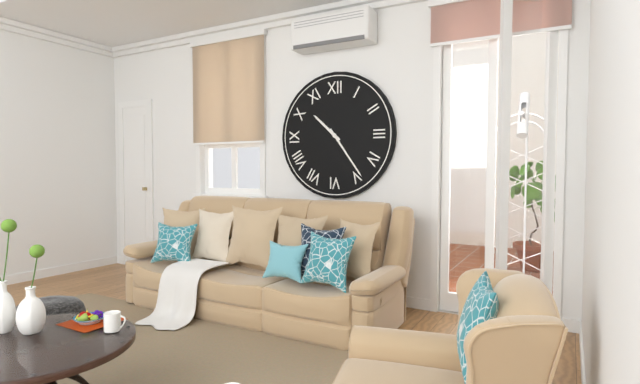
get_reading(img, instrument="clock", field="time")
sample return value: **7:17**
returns **10:24**
